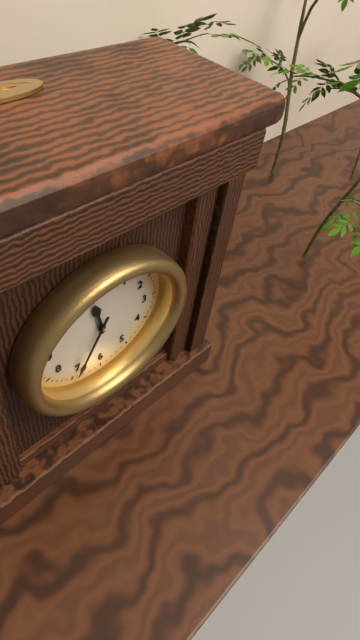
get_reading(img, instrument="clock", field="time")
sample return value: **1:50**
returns **11:35**
